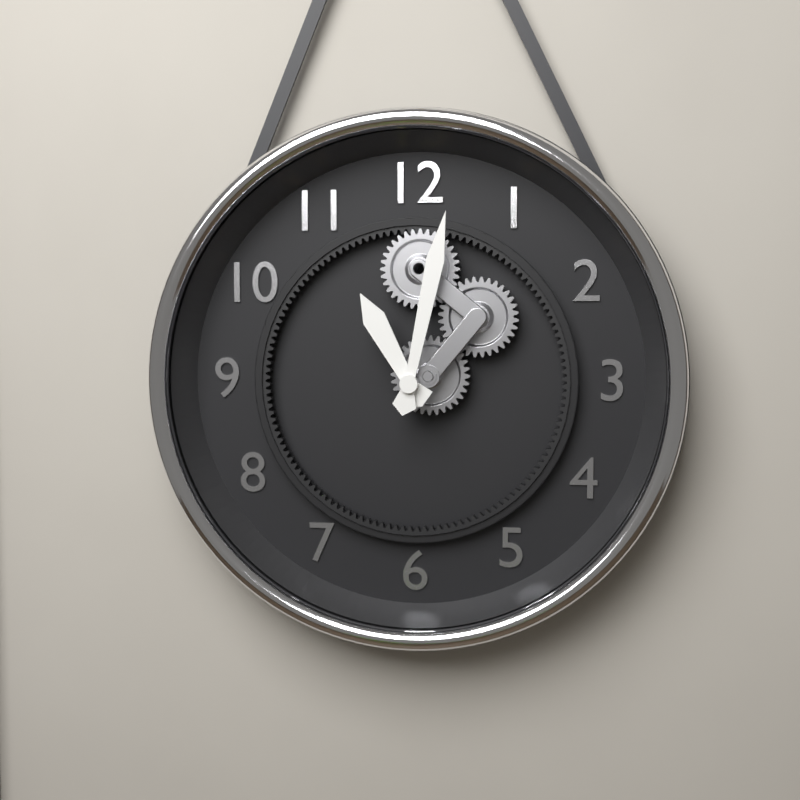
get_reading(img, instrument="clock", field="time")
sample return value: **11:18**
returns **11:02**
